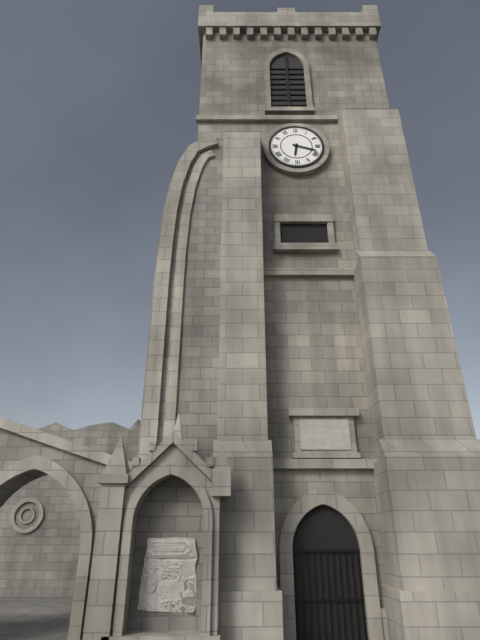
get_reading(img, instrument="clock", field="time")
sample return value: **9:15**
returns **6:18**
